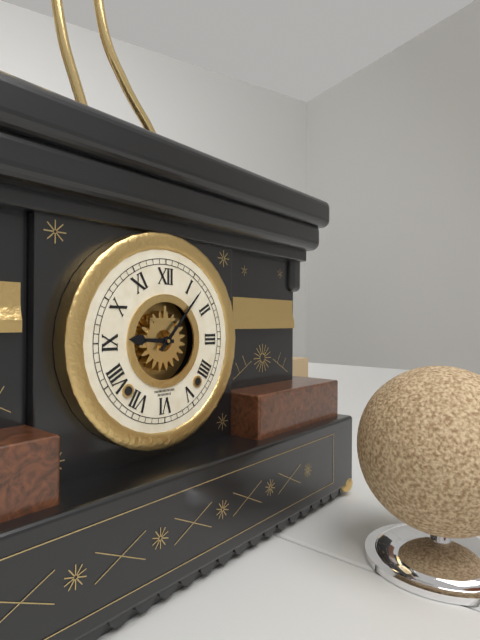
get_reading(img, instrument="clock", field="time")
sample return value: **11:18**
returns **9:07**
